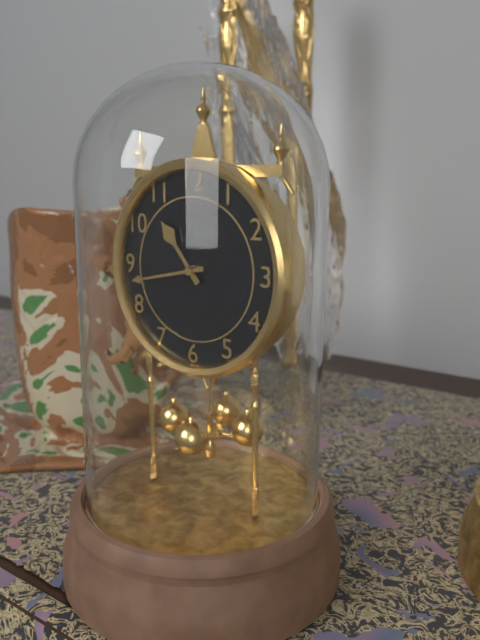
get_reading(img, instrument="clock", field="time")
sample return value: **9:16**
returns **10:43**
